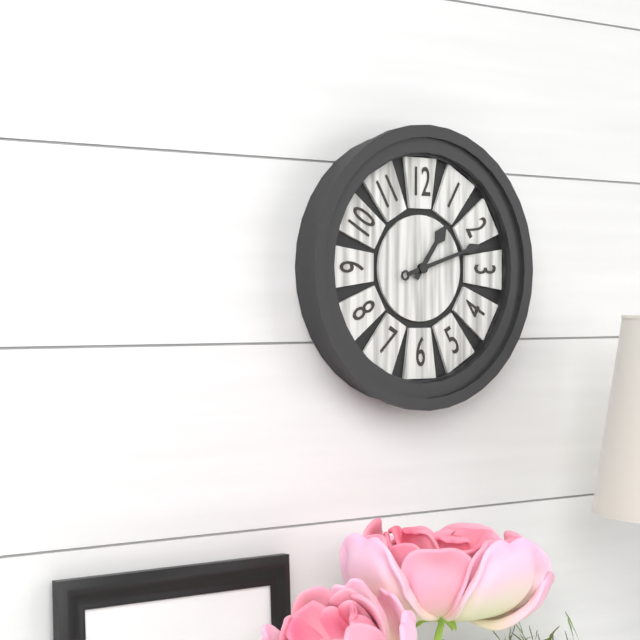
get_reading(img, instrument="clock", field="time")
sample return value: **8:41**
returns **1:12**
